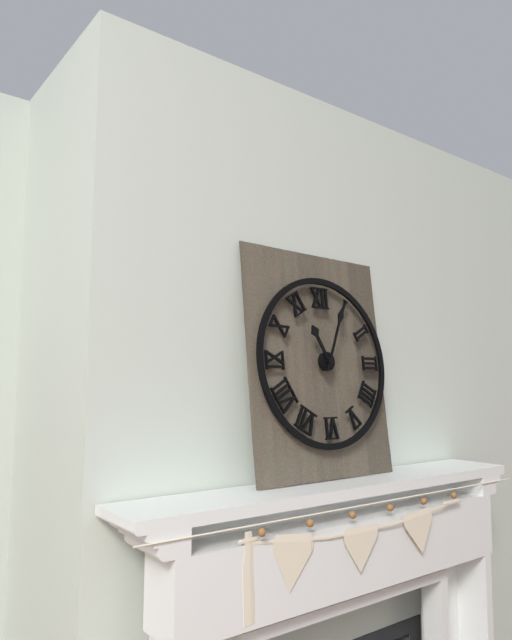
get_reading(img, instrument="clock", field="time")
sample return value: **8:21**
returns **11:04**
